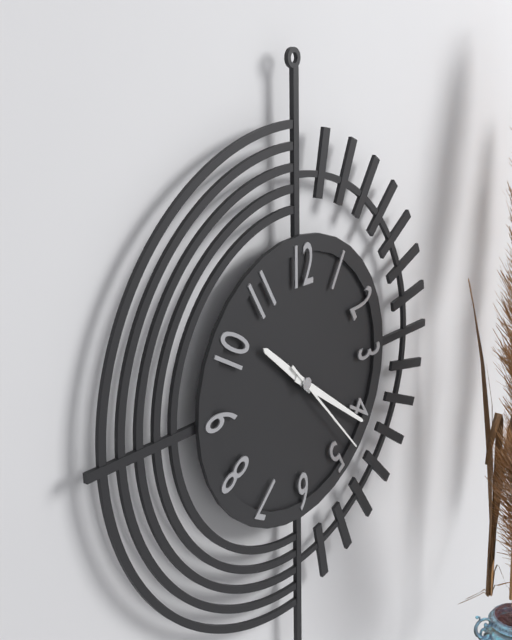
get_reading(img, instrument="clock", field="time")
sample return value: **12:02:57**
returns **10:21:23**
